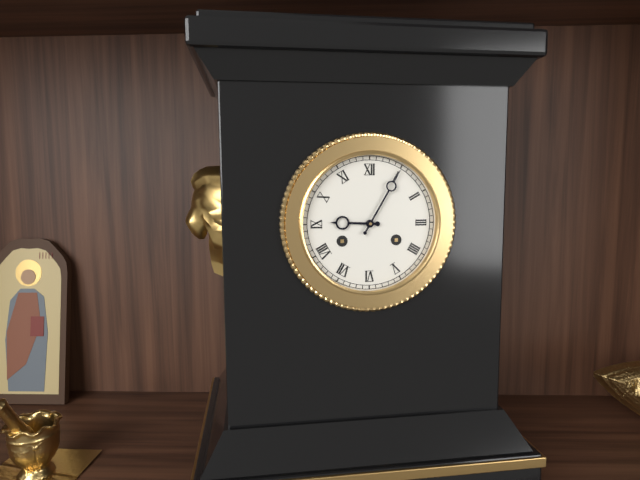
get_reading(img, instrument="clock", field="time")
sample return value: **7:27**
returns **9:05**
